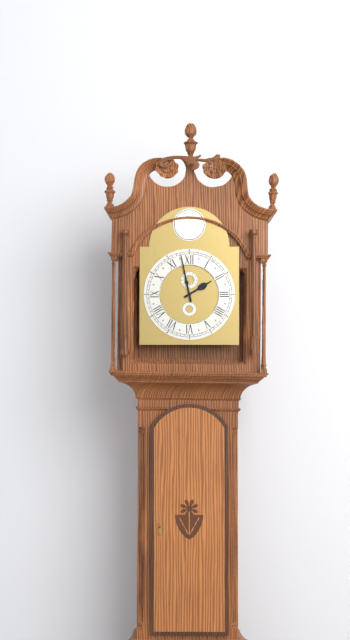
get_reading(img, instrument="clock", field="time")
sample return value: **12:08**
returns **1:58**
